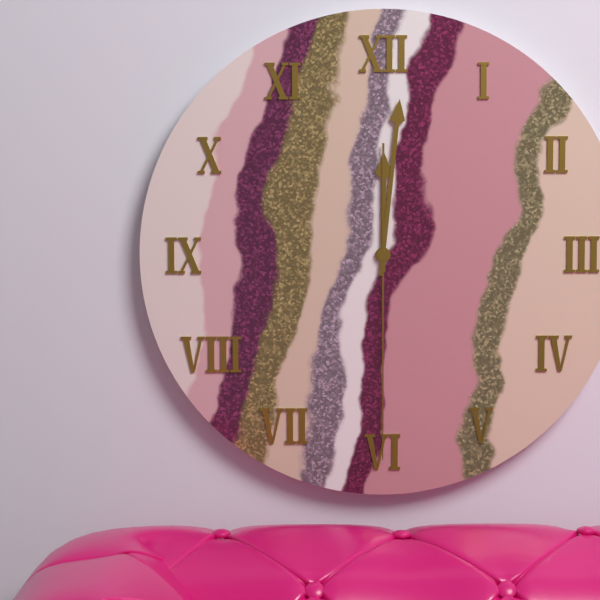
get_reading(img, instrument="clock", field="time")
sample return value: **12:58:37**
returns **12:01:30**
